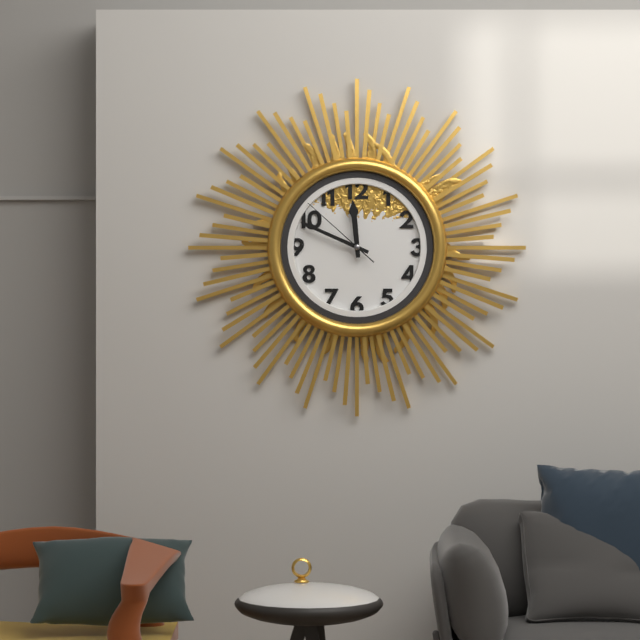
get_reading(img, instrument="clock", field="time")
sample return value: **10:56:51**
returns **11:49:52**
